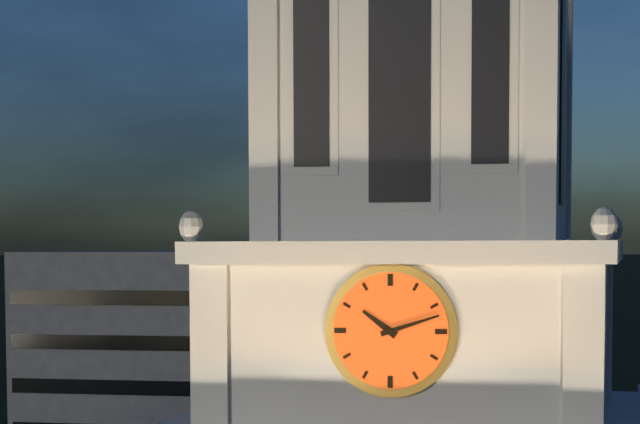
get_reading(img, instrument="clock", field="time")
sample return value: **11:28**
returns **10:12**
